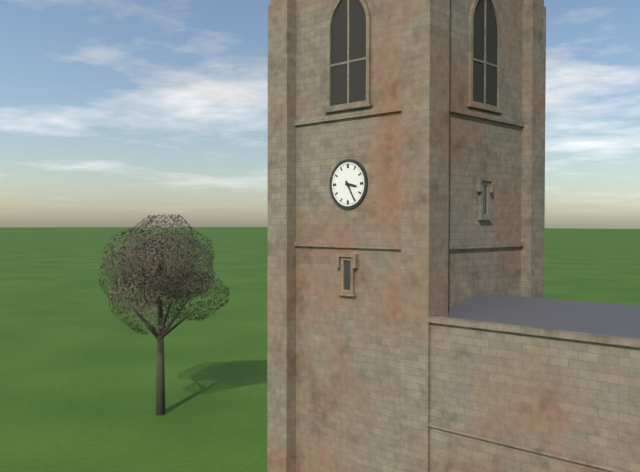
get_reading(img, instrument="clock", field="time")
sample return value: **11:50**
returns **3:25**
